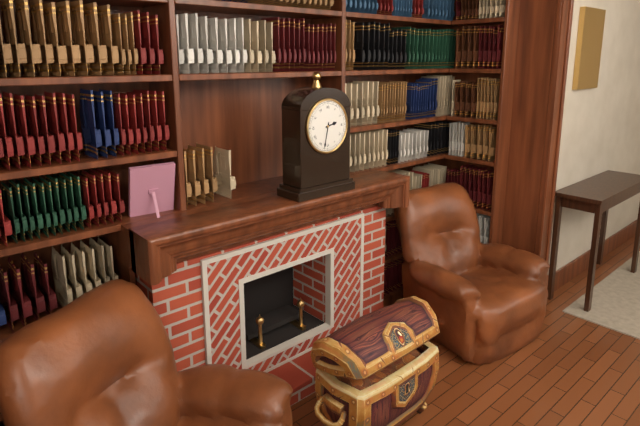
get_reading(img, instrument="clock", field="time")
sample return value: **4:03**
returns **2:32**
